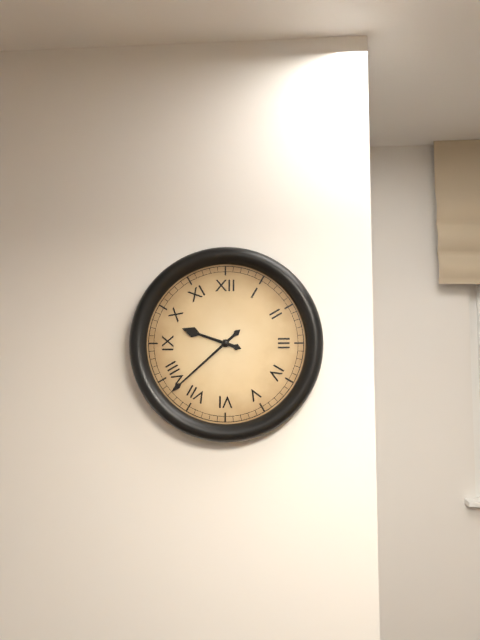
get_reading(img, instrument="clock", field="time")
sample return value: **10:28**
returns **9:38**
